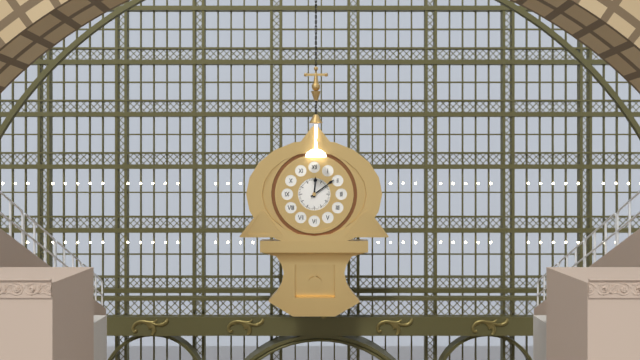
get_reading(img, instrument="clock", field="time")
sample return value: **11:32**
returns **12:09**
